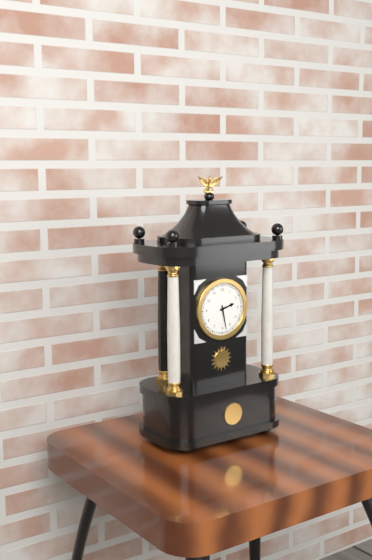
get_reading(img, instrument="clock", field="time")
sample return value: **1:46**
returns **2:28**
